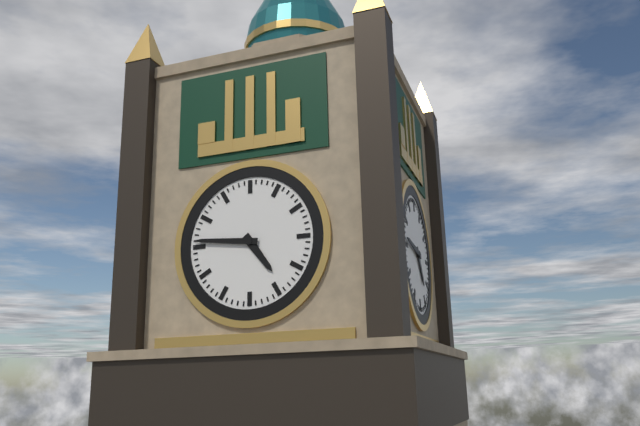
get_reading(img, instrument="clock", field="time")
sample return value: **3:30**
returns **4:46**
